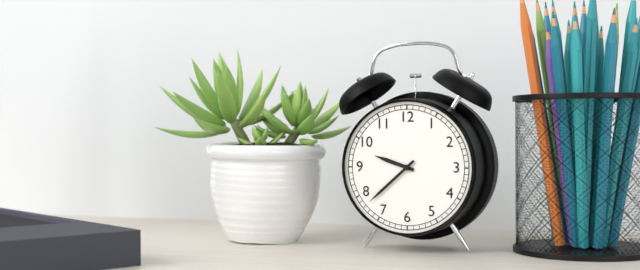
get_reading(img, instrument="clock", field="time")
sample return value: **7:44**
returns **9:38**
